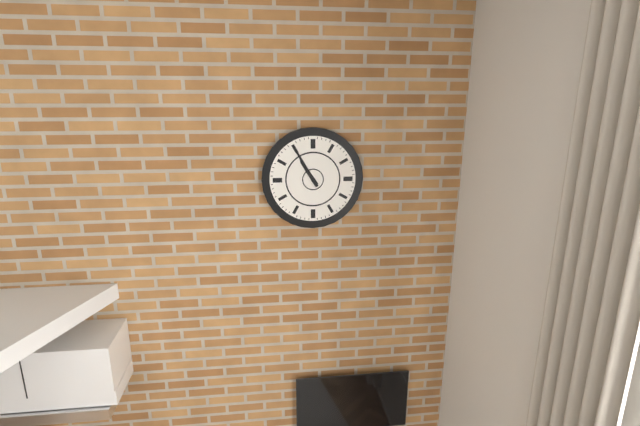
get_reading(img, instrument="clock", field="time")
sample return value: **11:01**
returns **10:55**
